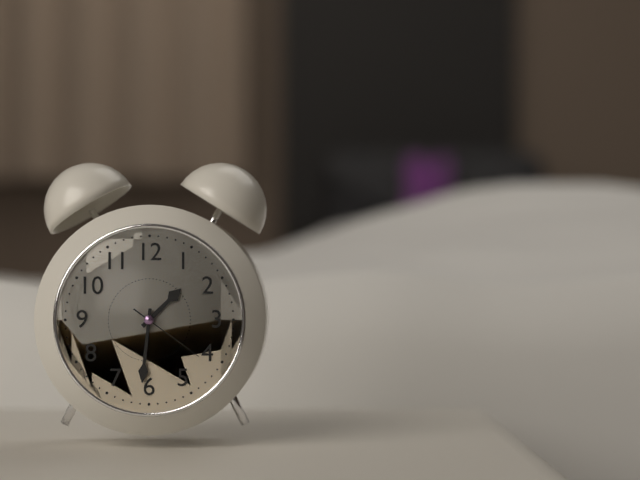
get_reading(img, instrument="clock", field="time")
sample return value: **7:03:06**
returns **1:31:21**
